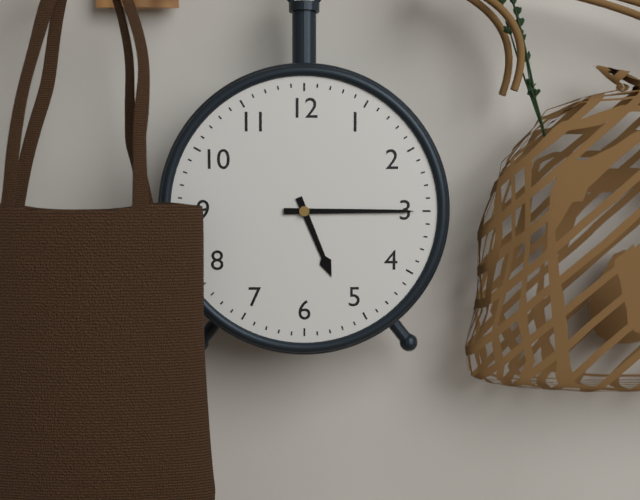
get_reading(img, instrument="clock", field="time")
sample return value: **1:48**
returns **5:15**
